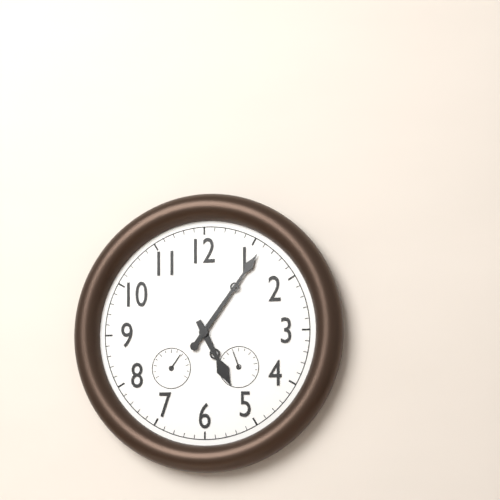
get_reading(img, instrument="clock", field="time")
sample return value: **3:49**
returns **5:06**
